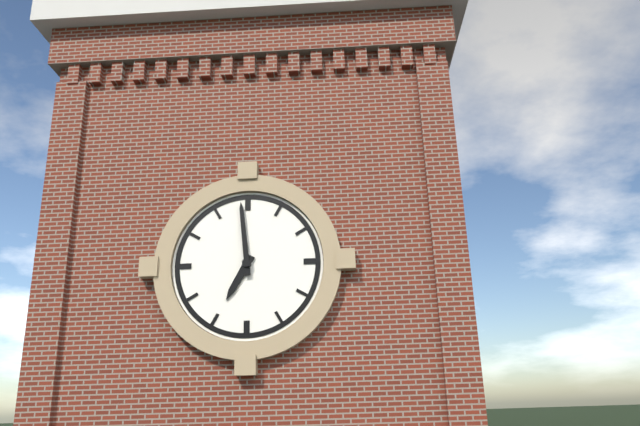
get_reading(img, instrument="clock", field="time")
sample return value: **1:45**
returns **6:59**
